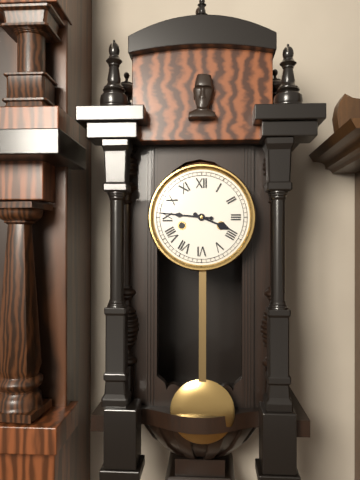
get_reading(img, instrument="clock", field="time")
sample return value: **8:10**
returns **3:46**
